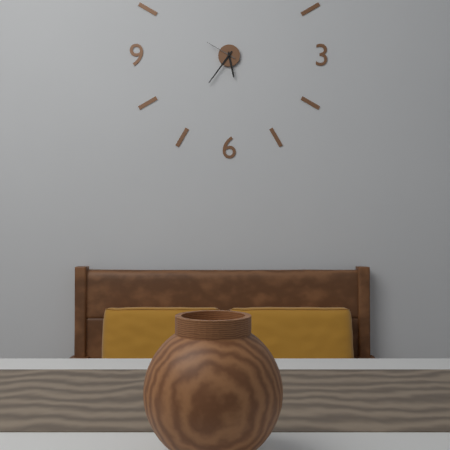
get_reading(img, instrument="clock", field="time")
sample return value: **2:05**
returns **5:36**
